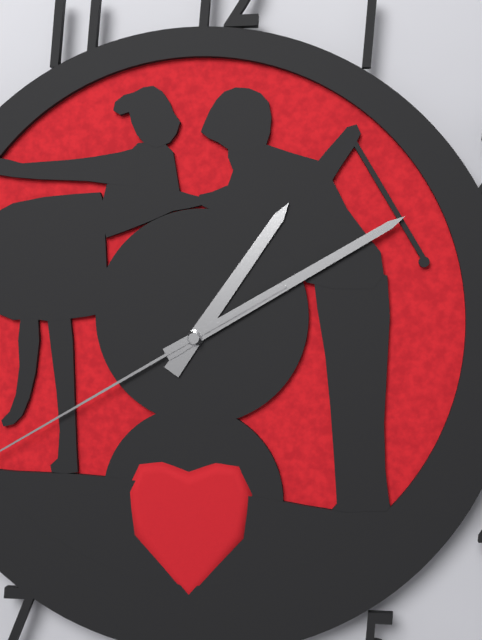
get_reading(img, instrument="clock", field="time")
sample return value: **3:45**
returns **1:10**
